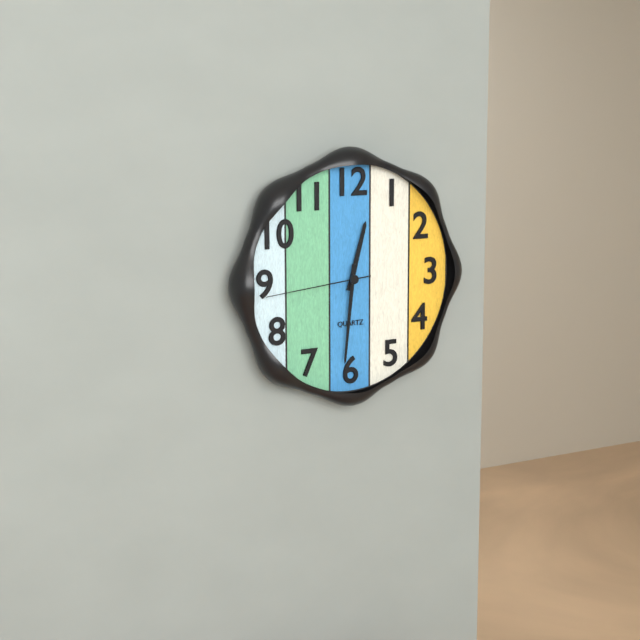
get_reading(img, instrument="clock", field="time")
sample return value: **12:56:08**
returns **12:31:44**
